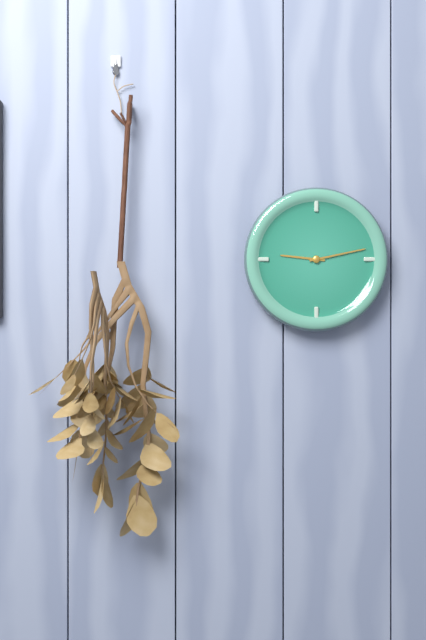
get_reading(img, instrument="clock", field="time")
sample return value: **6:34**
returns **9:13**
